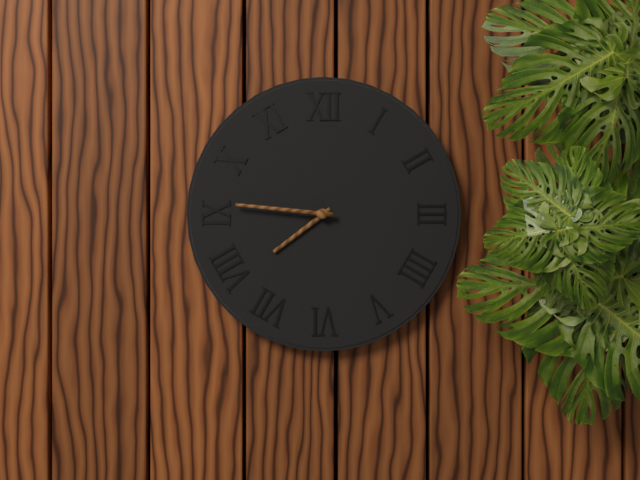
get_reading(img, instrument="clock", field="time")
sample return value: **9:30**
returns **7:46**
